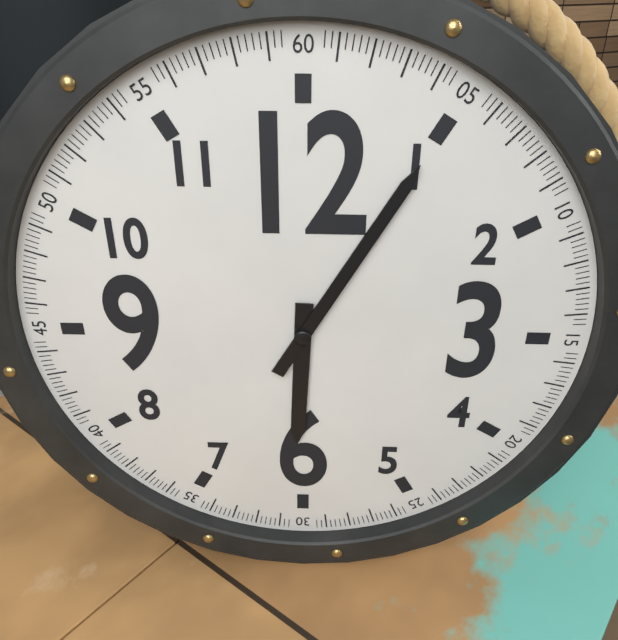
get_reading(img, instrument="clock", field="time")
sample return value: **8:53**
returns **6:05**
